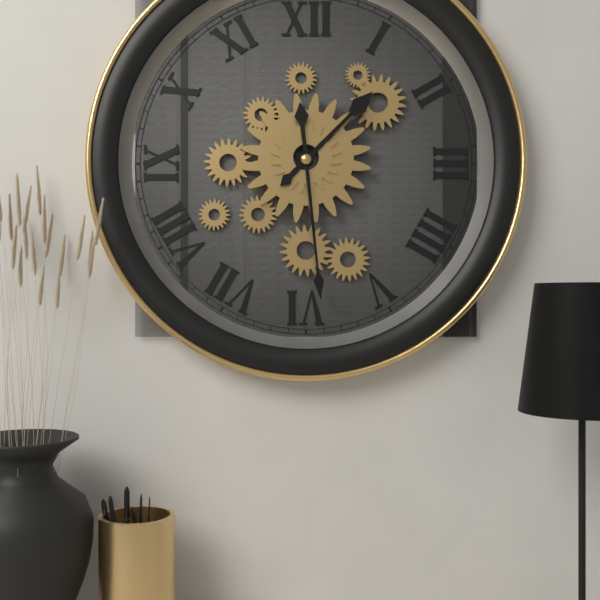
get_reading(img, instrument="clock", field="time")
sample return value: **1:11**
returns **1:29**
